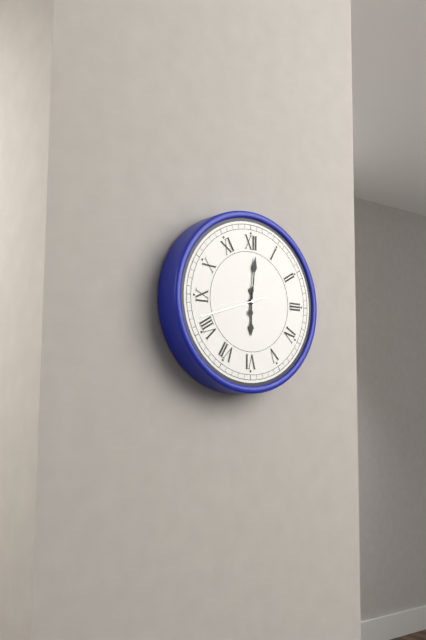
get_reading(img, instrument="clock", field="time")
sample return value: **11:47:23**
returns **6:01:42**
